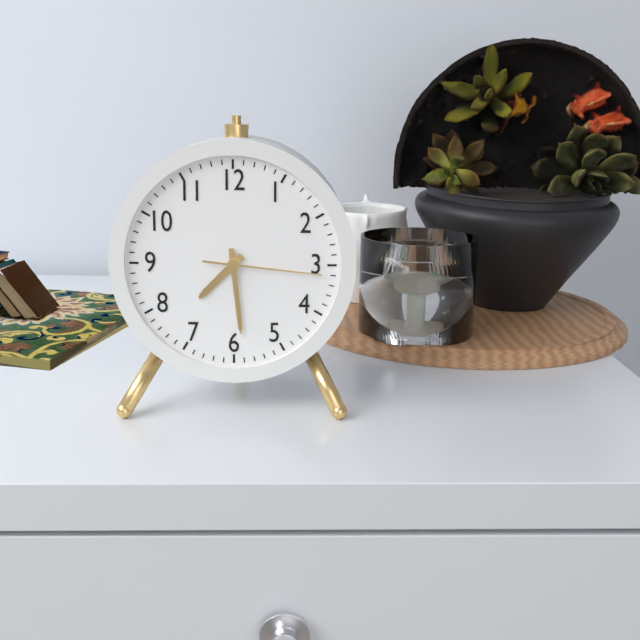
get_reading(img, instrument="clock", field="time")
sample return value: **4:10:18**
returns **7:29:16**
